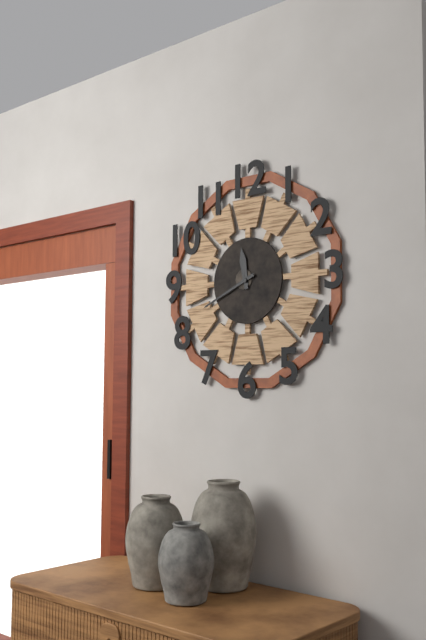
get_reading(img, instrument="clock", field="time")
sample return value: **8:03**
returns **11:41**
